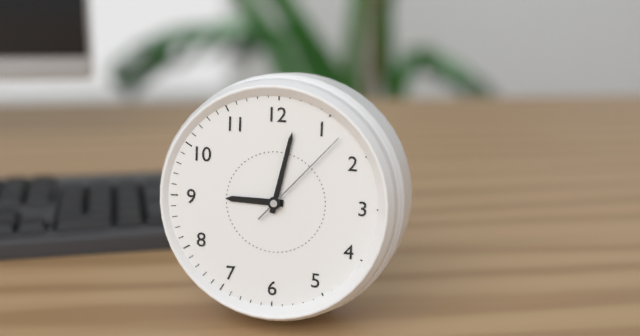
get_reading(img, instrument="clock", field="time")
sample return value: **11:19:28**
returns **9:02:07**
